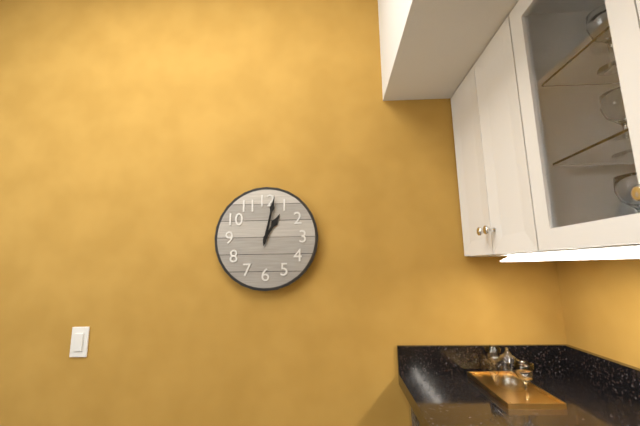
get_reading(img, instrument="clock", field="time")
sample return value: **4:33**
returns **1:02**
